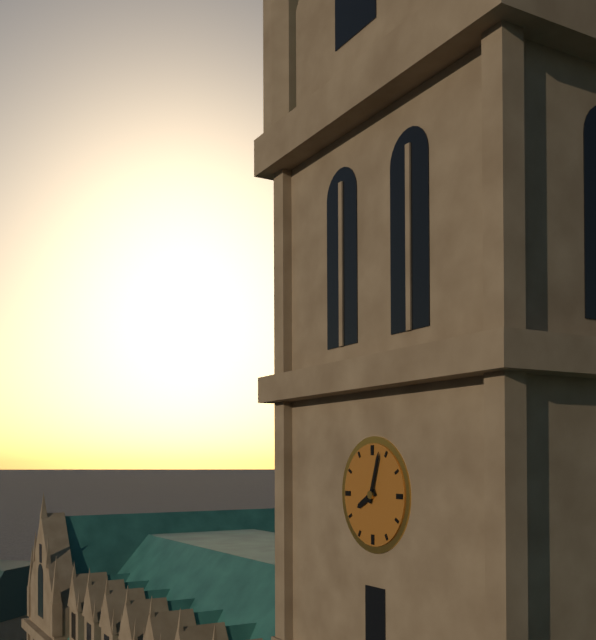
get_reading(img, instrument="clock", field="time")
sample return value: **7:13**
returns **8:03**
